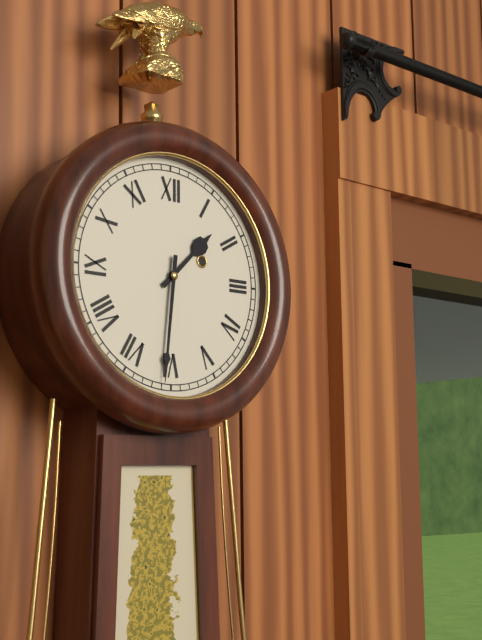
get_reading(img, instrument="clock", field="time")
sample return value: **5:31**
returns **1:31**
